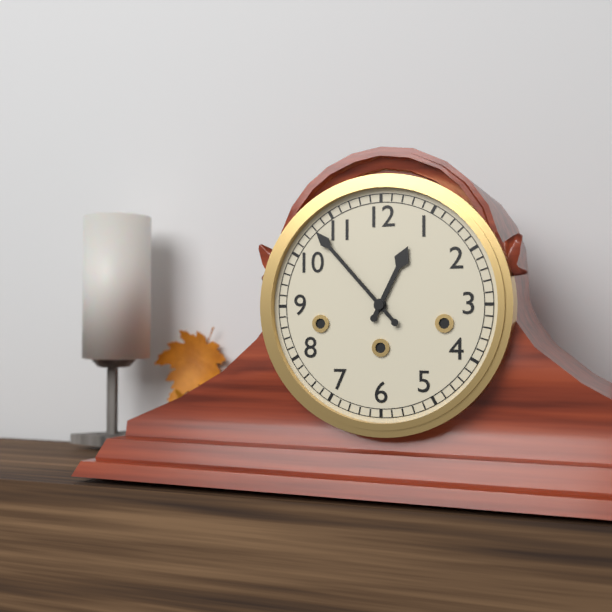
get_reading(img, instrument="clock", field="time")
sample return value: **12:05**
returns **12:53**
